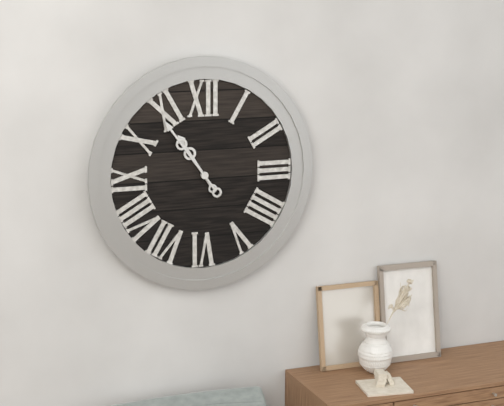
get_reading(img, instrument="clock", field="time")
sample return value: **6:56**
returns **10:54**
